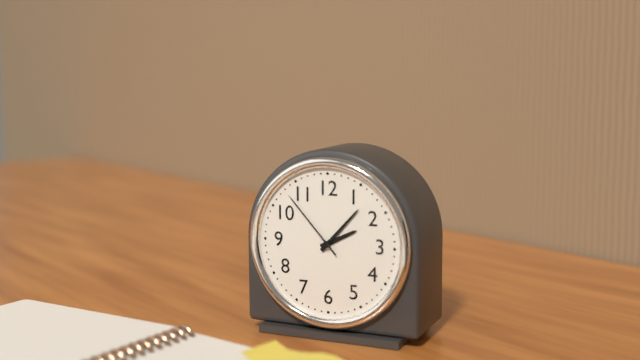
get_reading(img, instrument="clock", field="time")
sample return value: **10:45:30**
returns **2:07:53**
